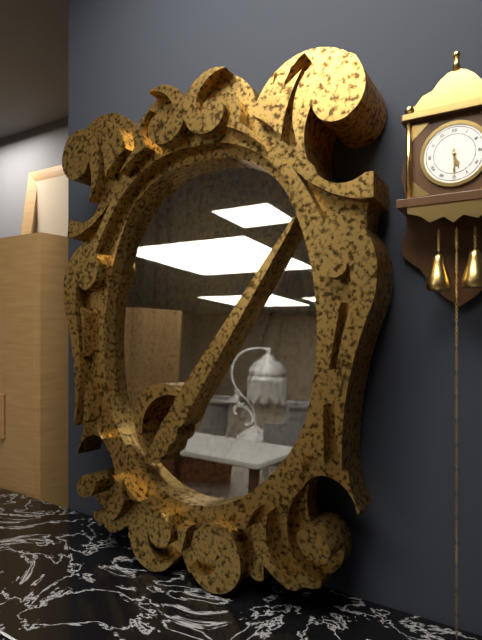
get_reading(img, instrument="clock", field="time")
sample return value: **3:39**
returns **5:30**
